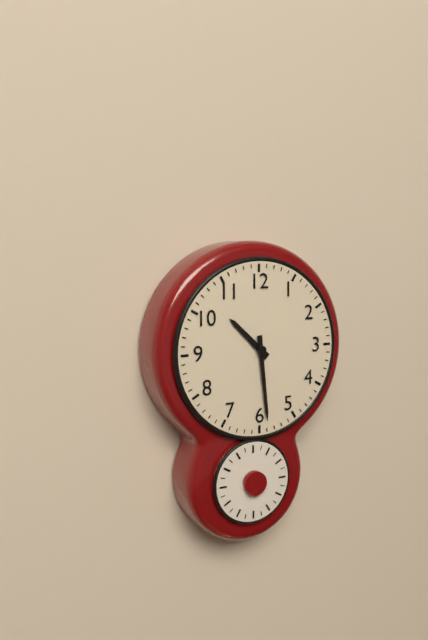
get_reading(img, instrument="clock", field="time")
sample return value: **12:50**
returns **10:29**
